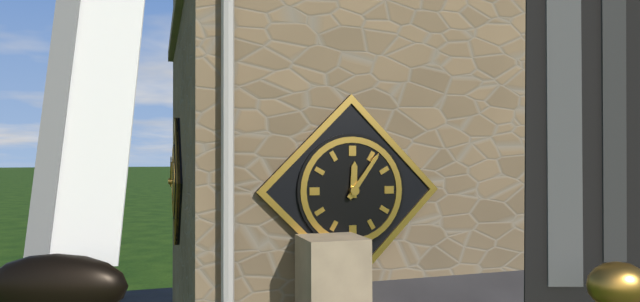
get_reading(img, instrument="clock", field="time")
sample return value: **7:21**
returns **12:06**
